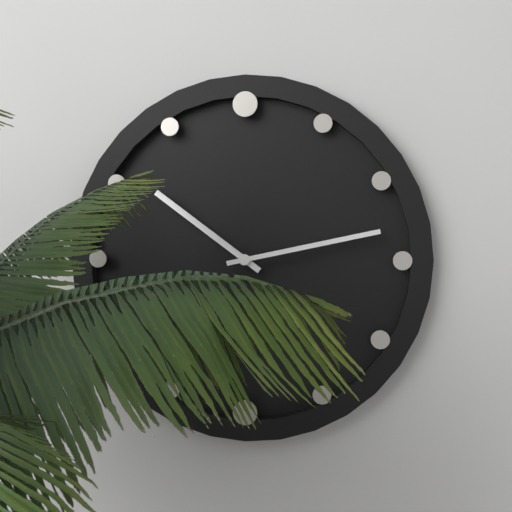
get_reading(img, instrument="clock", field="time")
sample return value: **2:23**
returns **10:13**
